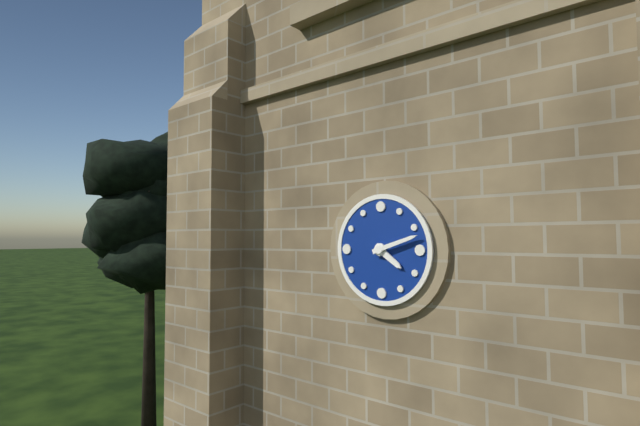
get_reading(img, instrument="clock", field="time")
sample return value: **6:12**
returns **4:12**
